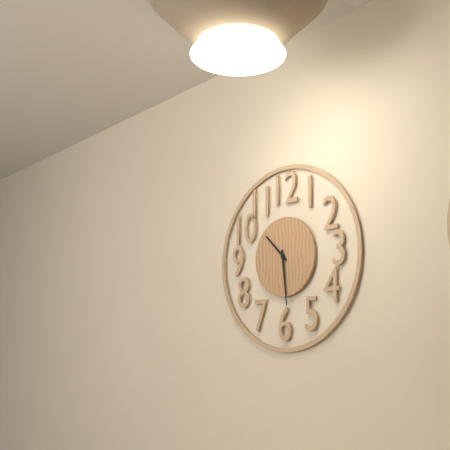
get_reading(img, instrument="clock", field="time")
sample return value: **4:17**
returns **10:29**
